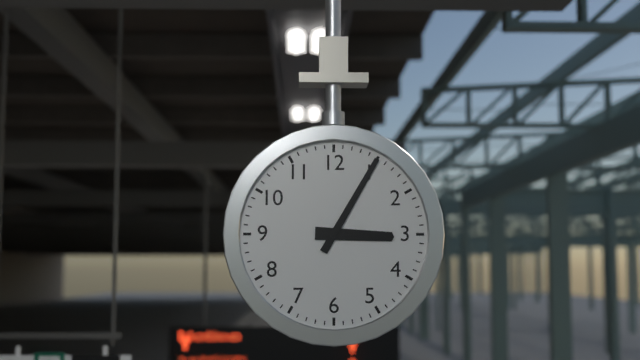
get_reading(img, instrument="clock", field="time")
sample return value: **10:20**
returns **3:05**
